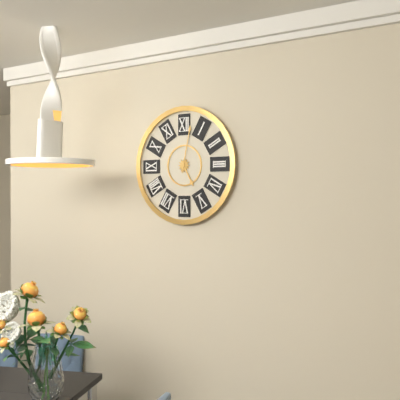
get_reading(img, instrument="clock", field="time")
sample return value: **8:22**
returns **5:02**
